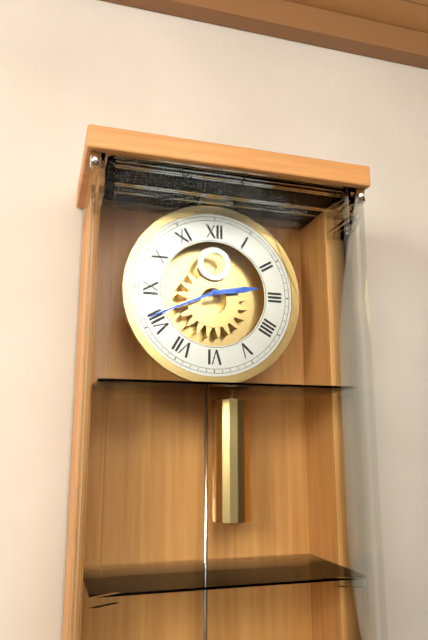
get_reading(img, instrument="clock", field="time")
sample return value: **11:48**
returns **2:41**
